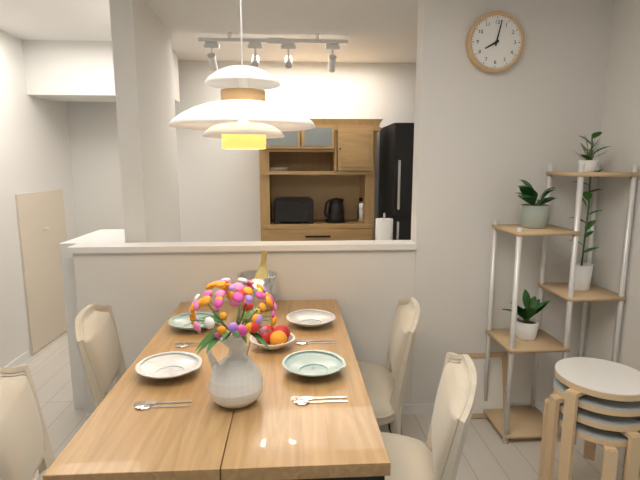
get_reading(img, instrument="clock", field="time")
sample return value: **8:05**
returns **8:02**
